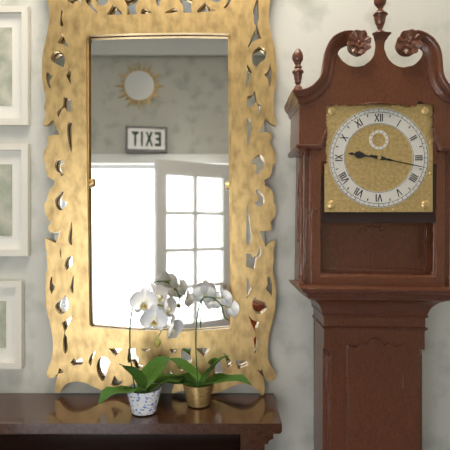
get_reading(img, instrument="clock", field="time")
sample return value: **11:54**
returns **9:17**
